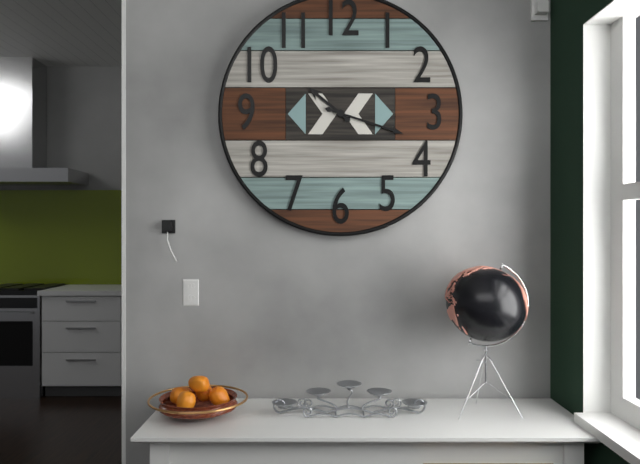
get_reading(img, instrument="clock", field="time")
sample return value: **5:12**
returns **10:18**
